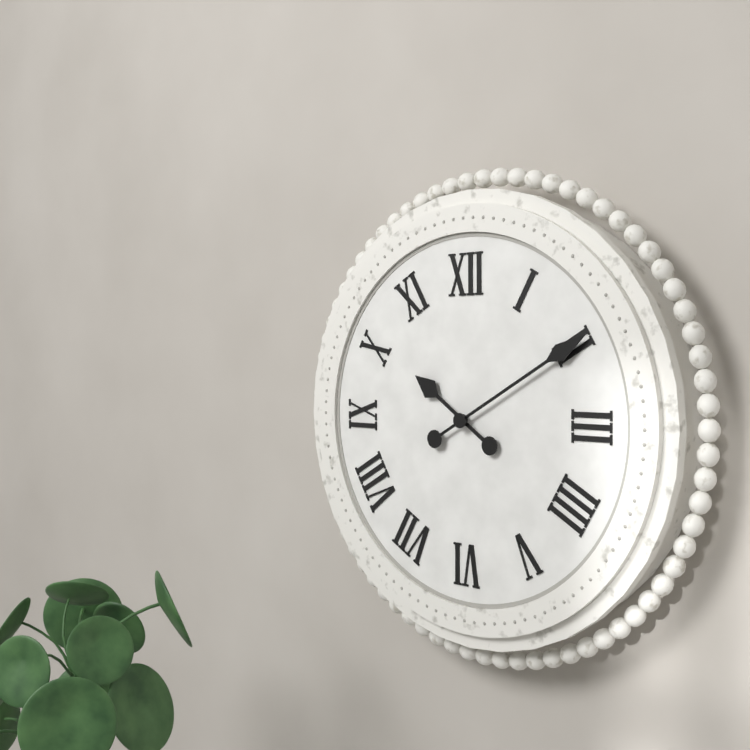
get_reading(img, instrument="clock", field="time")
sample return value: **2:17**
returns **10:10**
